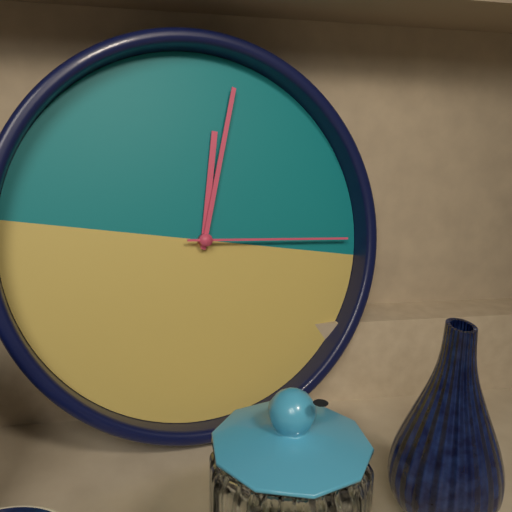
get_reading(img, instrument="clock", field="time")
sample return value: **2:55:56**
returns **12:01:14**
